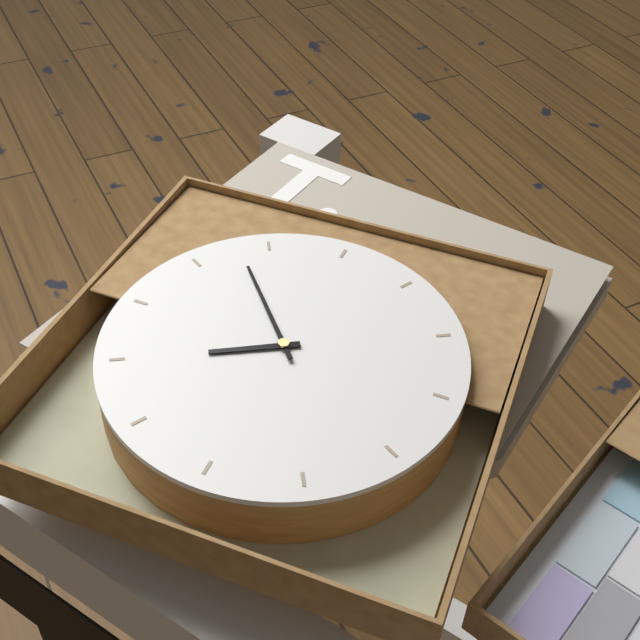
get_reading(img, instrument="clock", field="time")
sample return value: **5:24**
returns **8:58**
